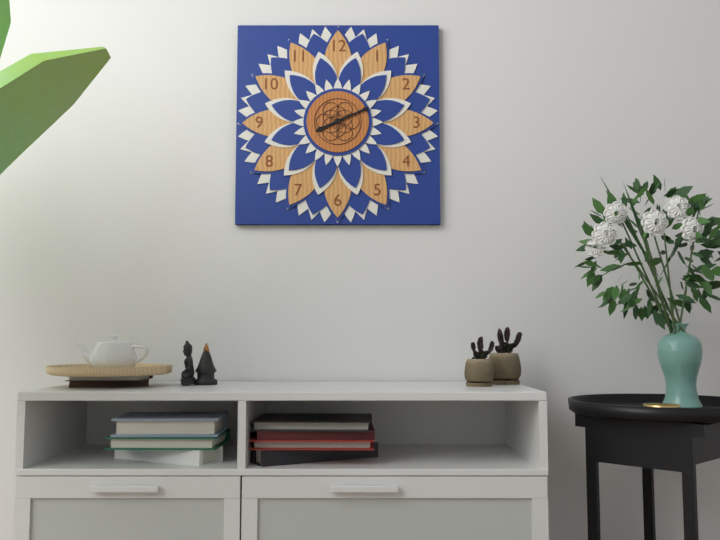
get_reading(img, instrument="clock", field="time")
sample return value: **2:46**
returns **8:11**
